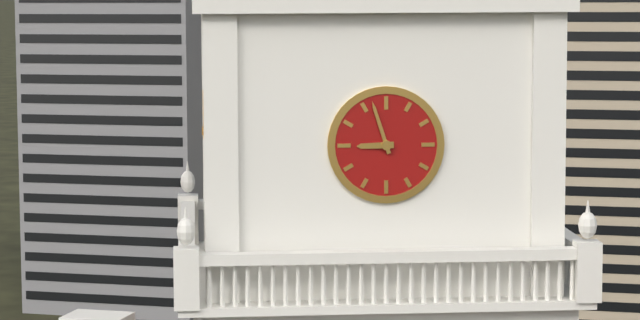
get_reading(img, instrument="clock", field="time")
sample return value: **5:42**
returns **8:57**
